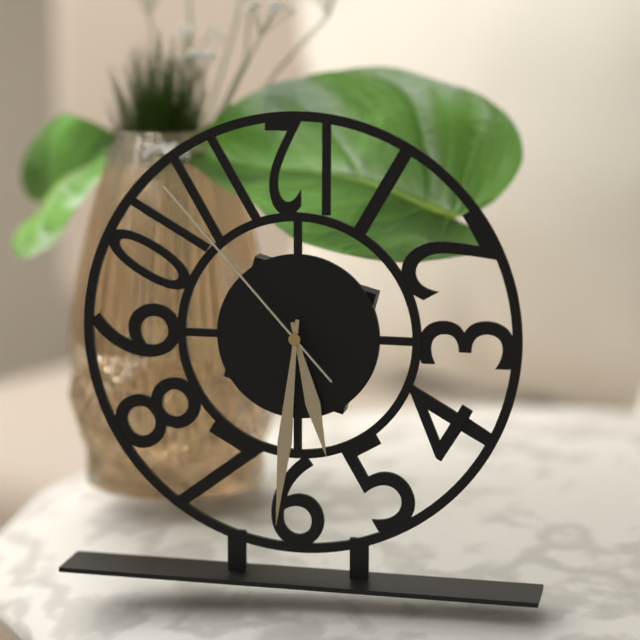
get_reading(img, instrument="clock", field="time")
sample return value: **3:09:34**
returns **5:31:53**
